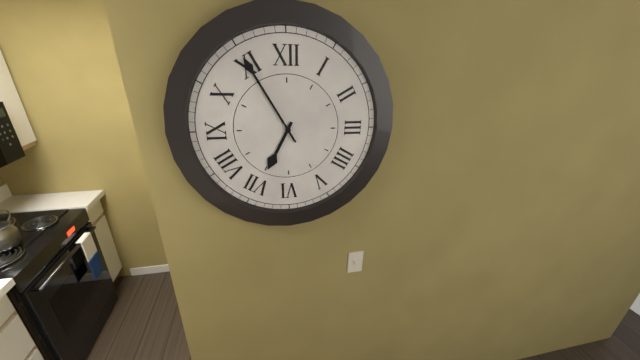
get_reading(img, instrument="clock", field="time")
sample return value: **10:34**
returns **6:55**
